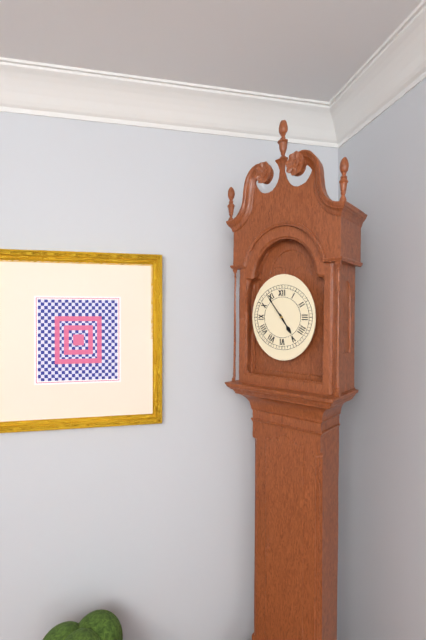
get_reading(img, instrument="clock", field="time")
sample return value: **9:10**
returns **4:54**
